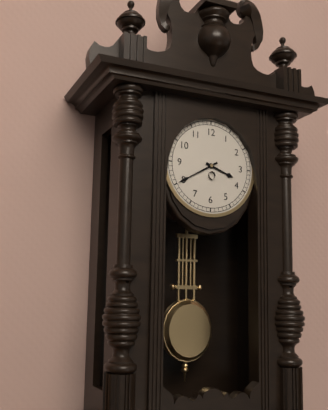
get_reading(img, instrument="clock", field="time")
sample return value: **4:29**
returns **3:40**
